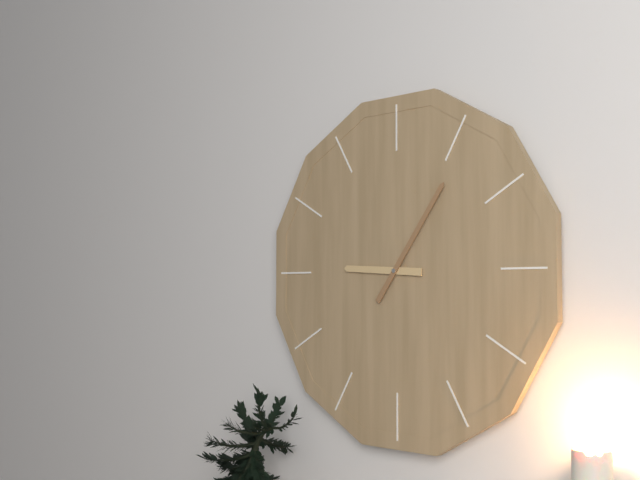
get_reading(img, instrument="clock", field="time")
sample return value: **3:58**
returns **9:06**
